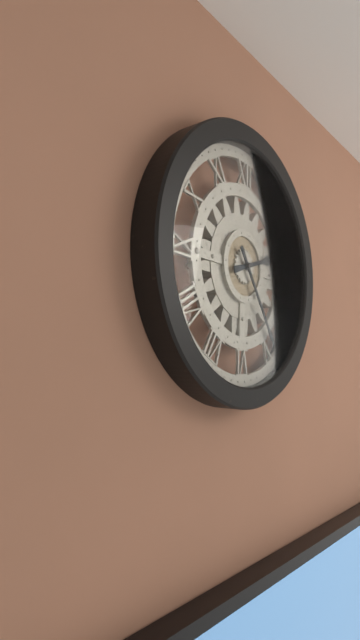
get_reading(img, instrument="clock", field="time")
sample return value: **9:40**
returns **2:24**
